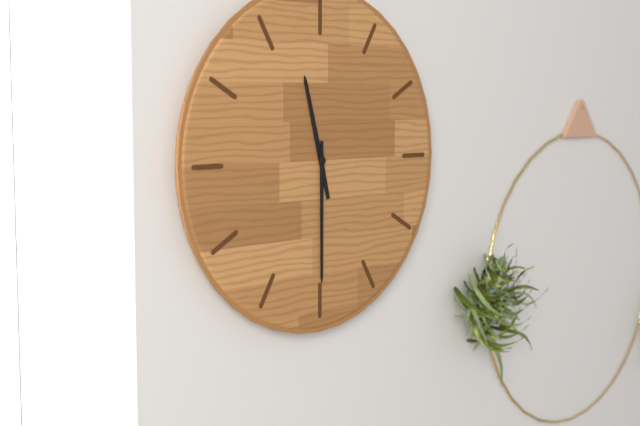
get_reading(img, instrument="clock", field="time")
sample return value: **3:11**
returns **11:30**
